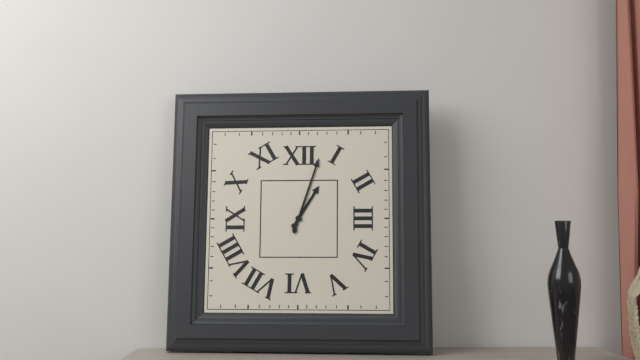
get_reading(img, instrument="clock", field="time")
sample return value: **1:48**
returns **1:03**
